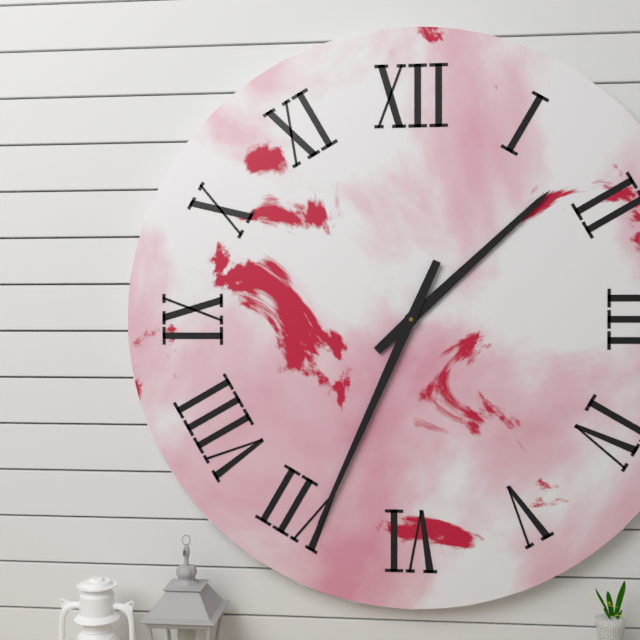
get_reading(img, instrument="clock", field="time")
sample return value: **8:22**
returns **1:34**
